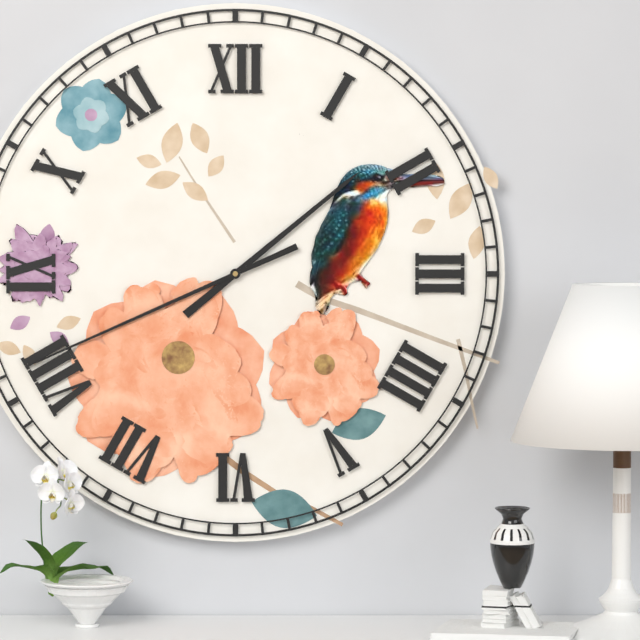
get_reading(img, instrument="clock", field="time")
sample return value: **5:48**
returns **1:41**
